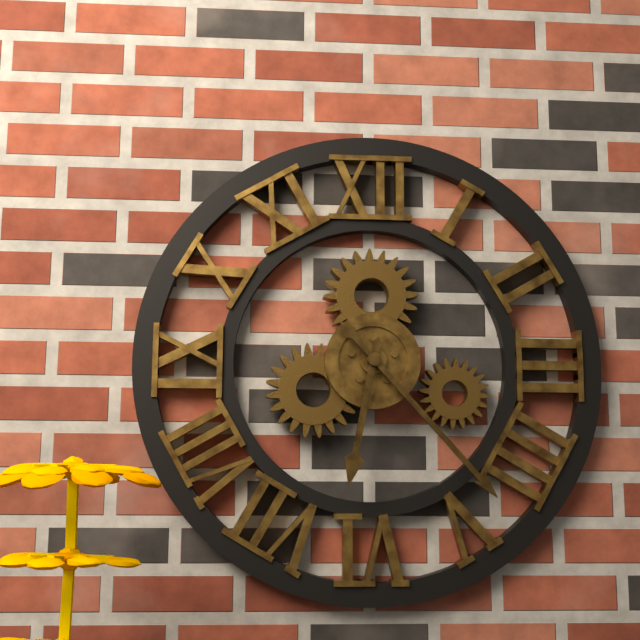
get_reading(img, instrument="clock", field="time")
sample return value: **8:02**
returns **6:23**
